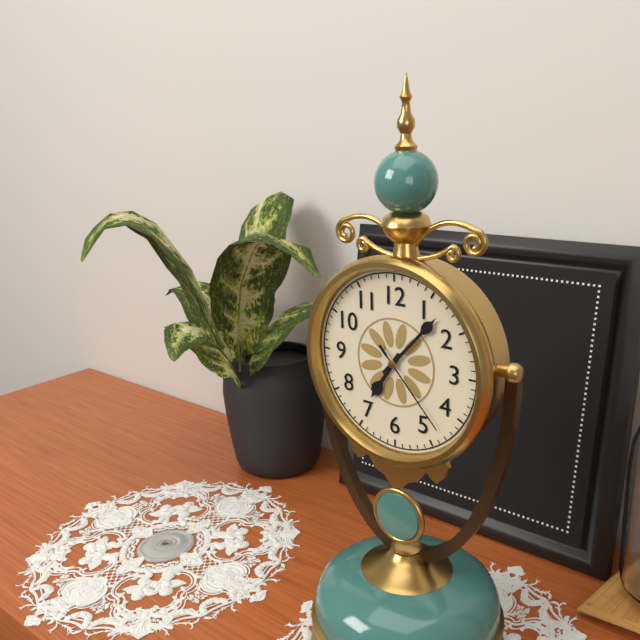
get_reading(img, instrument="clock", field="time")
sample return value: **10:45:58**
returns **7:07:23**
